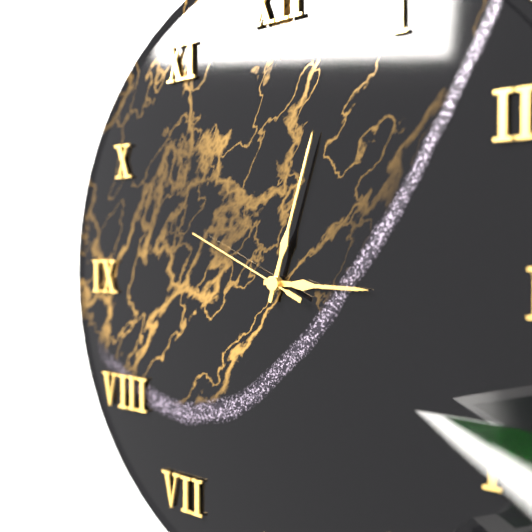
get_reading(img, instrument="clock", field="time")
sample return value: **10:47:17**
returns **3:03:49**
